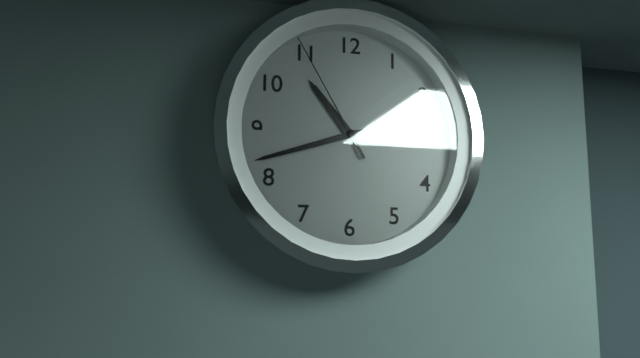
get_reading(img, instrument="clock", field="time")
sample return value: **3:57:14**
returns **10:42:55**
